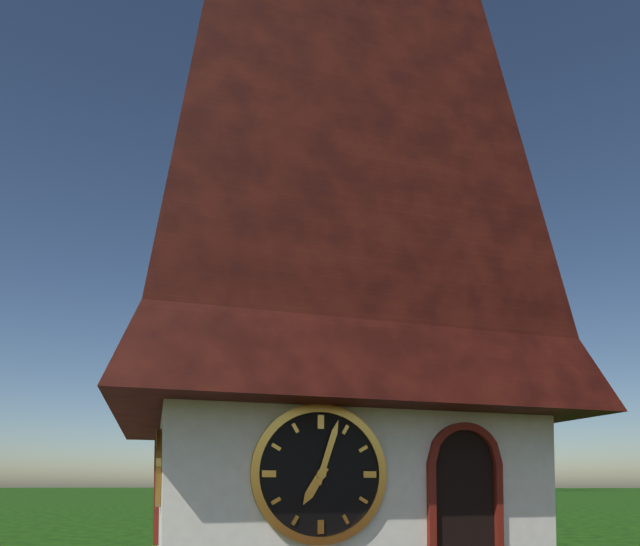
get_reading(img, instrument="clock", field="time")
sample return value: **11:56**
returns **7:03**
